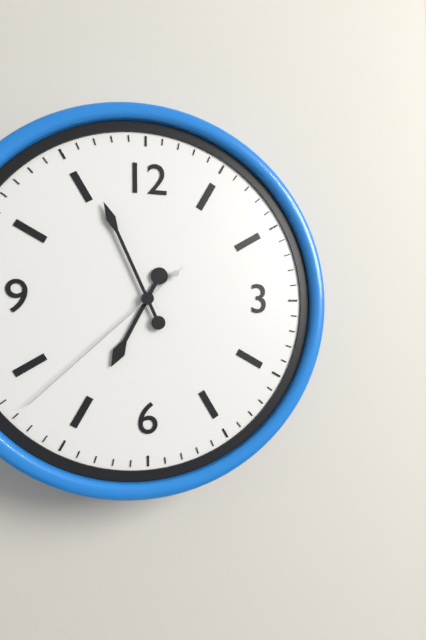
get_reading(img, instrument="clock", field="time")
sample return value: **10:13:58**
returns **6:56:38**
